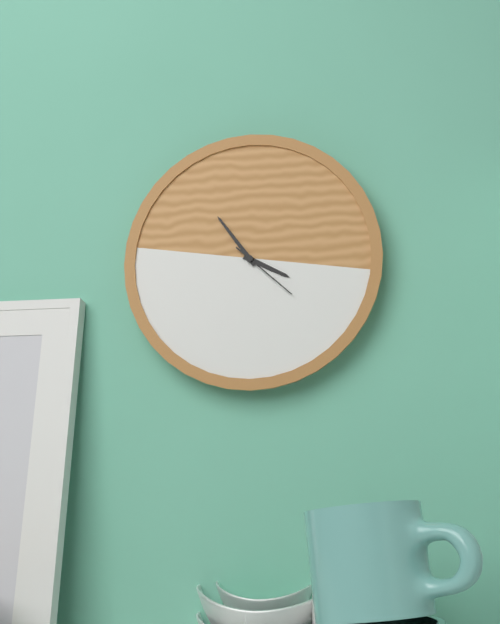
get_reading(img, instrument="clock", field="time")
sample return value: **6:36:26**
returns **3:54:22**
